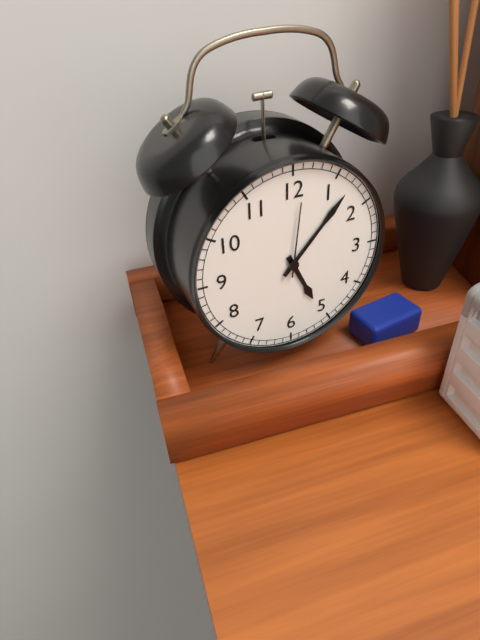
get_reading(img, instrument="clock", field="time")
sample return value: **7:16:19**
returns **5:07:01**
